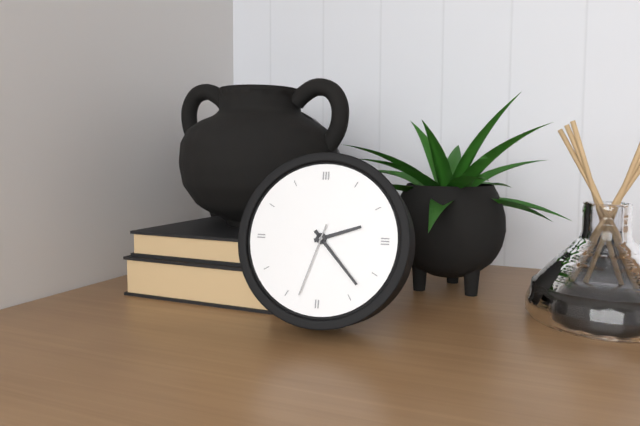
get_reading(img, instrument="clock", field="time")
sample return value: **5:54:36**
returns **2:23:33**
